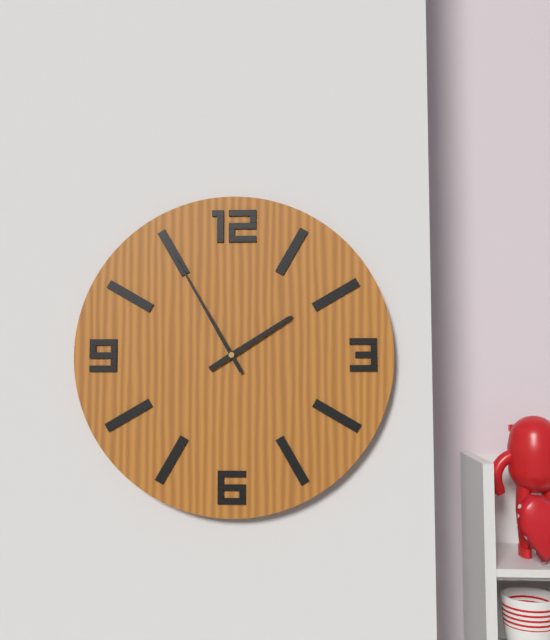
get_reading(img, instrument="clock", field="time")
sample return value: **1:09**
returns **1:55**
